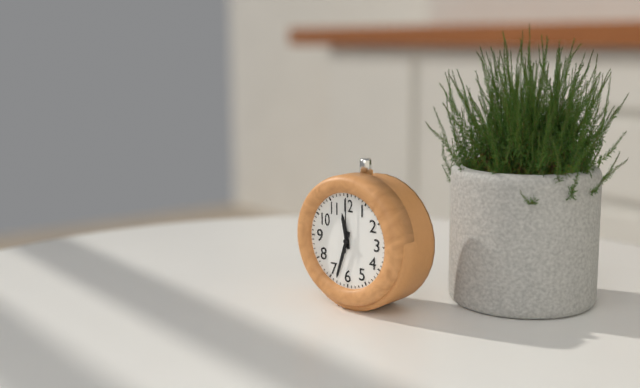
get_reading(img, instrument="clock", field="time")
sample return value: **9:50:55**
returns **11:33:00**
